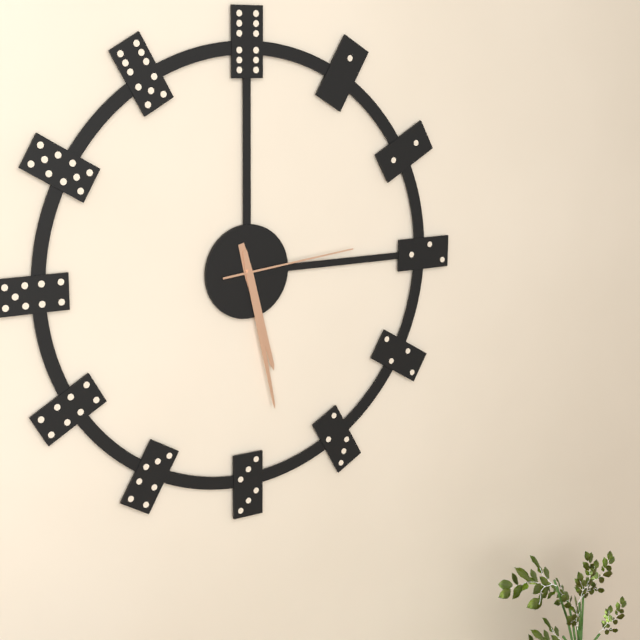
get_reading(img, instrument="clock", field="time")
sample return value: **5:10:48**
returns **5:28:14**
